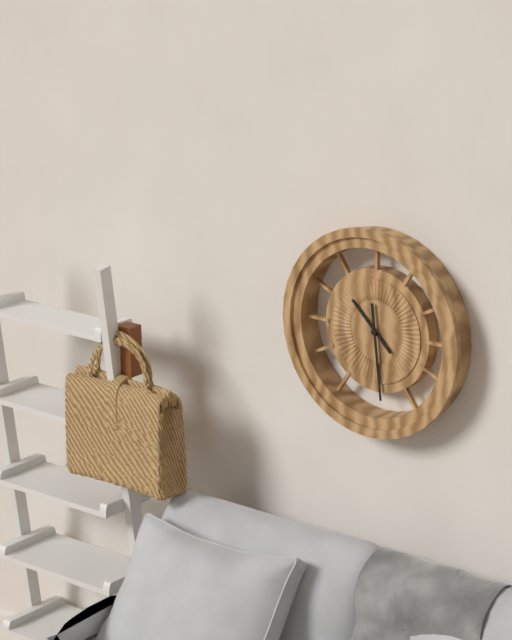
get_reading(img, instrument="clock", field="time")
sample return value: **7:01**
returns **10:29**
